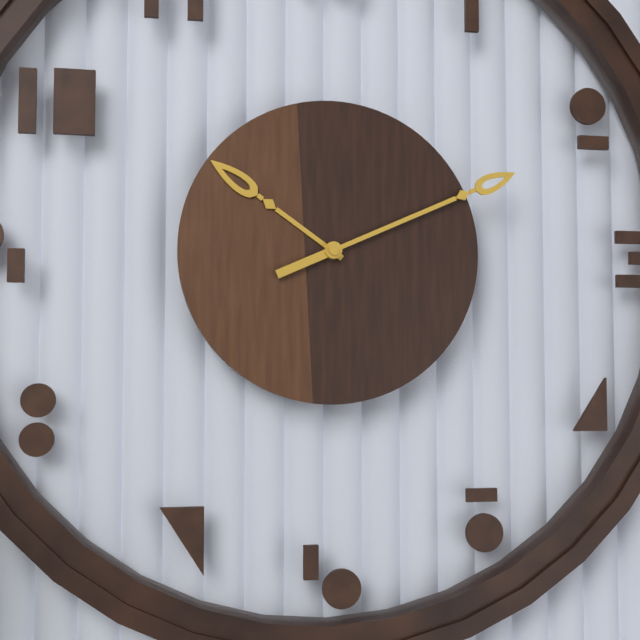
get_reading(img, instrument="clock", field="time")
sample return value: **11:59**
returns **10:11**
